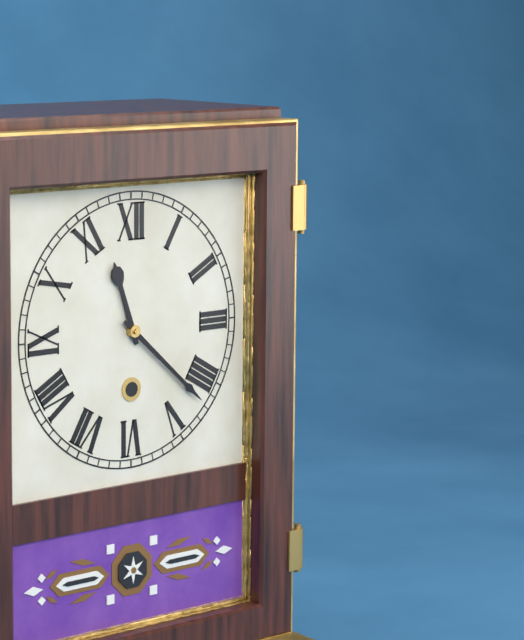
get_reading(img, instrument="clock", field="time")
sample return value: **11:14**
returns **11:22**
